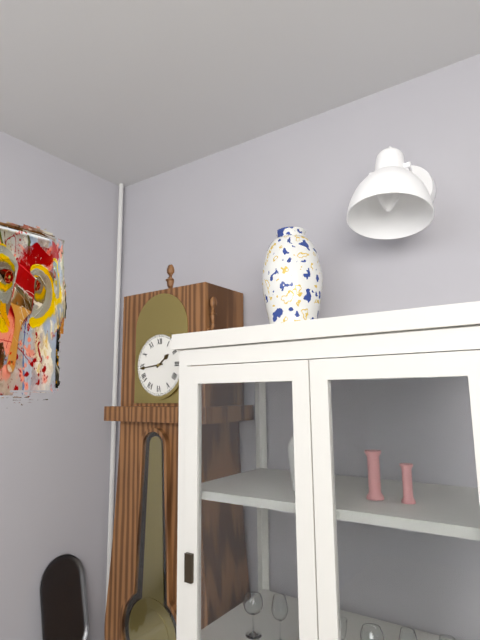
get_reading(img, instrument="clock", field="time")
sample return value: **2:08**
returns **1:44**
